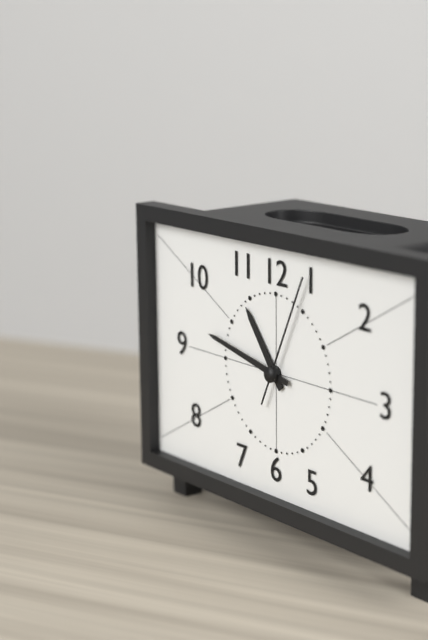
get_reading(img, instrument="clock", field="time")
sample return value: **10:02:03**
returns **10:47:04**
